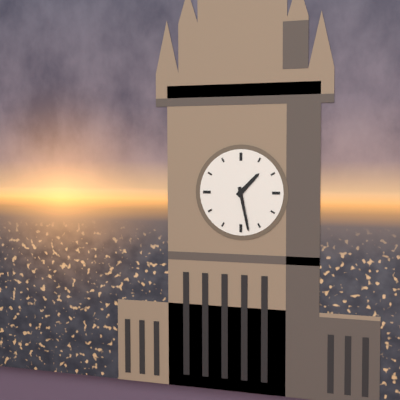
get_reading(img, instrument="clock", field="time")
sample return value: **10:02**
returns **1:28**
